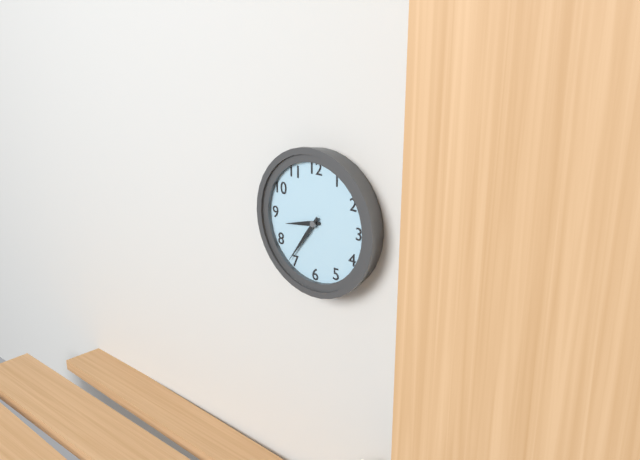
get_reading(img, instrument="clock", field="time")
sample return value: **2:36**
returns **8:36**
